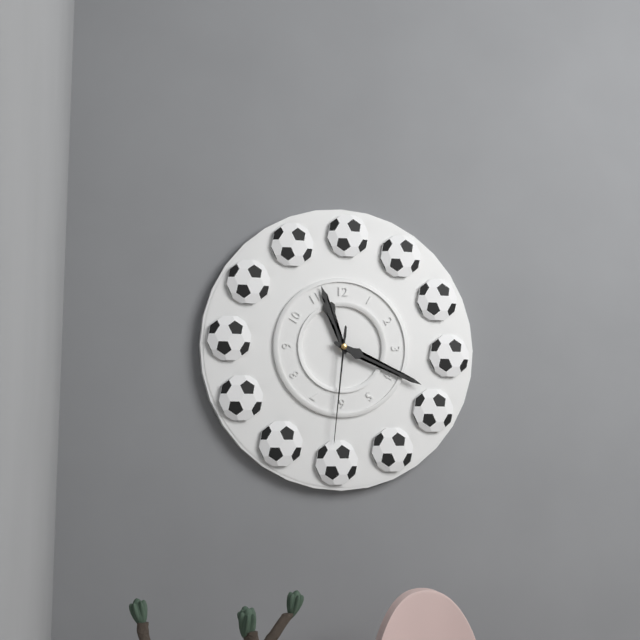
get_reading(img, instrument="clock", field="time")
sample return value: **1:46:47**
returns **11:19:31**
